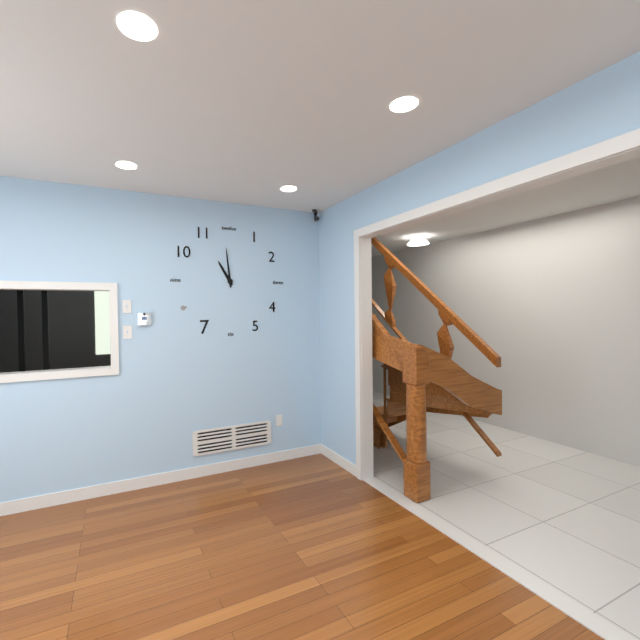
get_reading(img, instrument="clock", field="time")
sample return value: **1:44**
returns **10:59**
